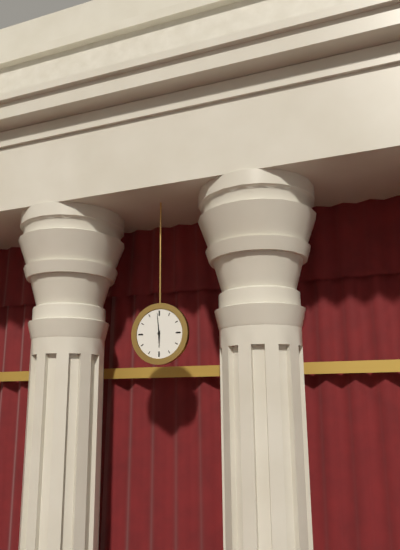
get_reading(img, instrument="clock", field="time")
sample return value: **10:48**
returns **5:59**
